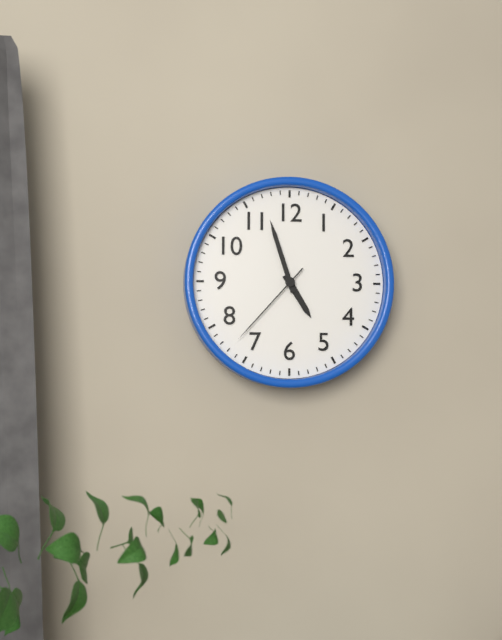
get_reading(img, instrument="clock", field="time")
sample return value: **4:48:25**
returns **4:57:37**
